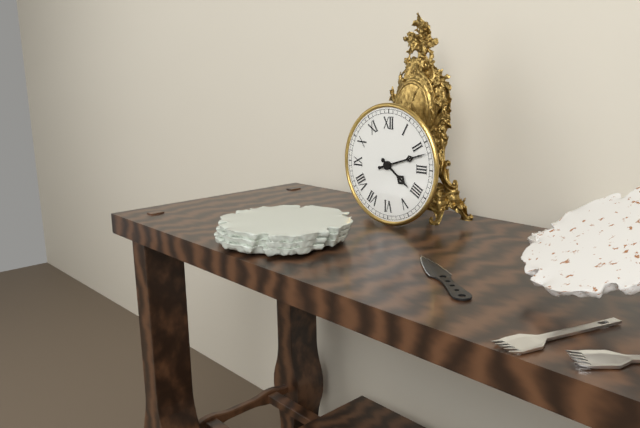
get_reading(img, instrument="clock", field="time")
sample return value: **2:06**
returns **4:12**
